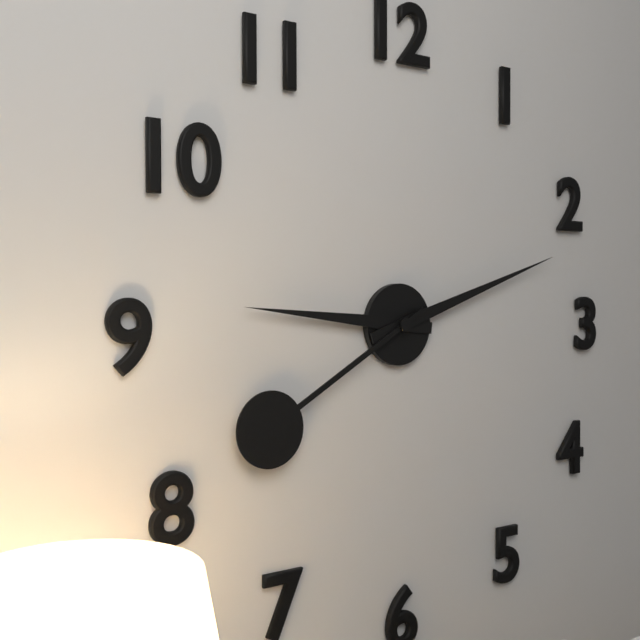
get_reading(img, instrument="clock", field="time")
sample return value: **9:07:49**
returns **9:12:40**
